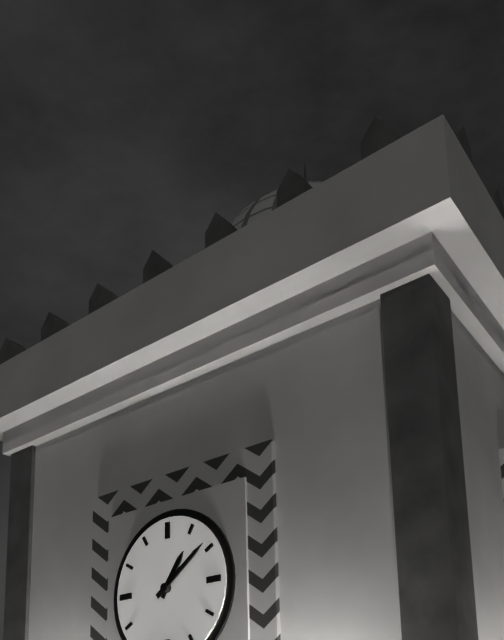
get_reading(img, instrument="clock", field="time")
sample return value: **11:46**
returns **1:09**
